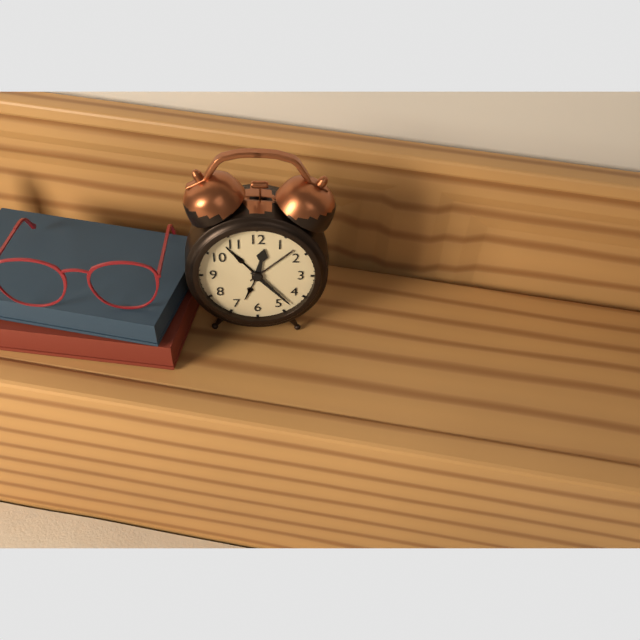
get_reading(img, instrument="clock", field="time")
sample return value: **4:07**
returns **12:23**
